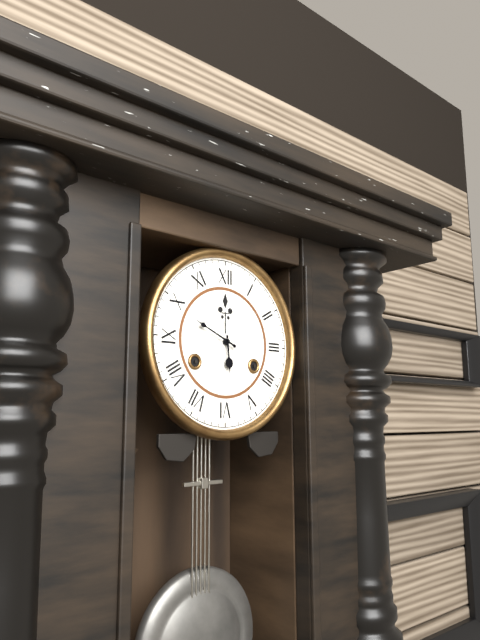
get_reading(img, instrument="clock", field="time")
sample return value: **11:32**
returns **5:49**
